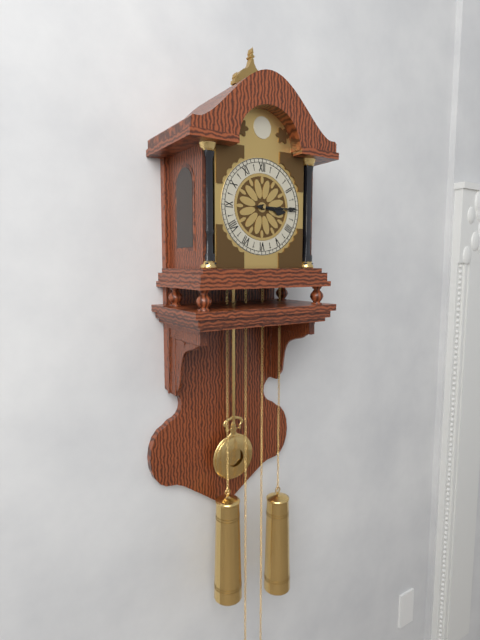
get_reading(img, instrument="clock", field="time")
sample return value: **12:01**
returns **3:15**
